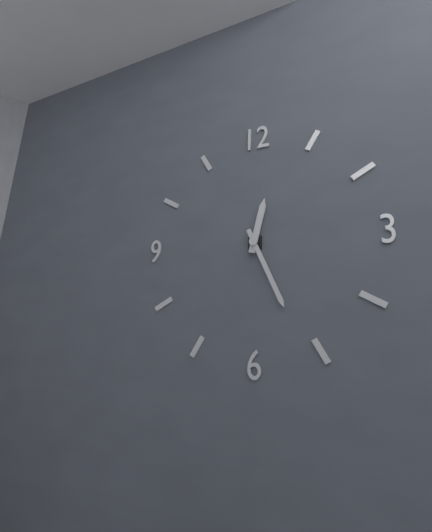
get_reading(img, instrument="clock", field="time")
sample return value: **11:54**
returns **12:26**
